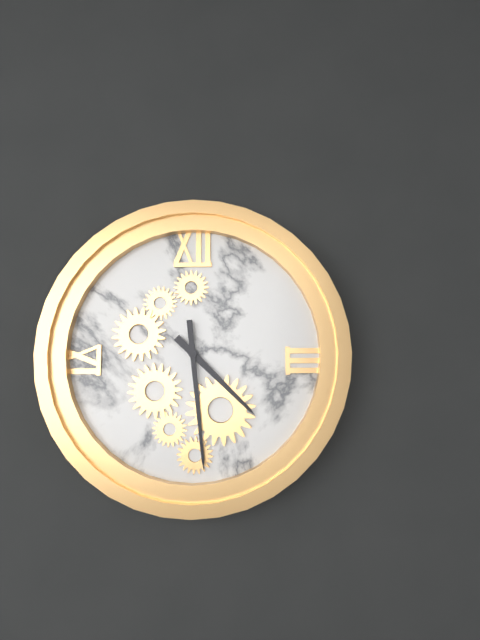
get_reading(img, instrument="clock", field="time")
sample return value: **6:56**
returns **4:29**
